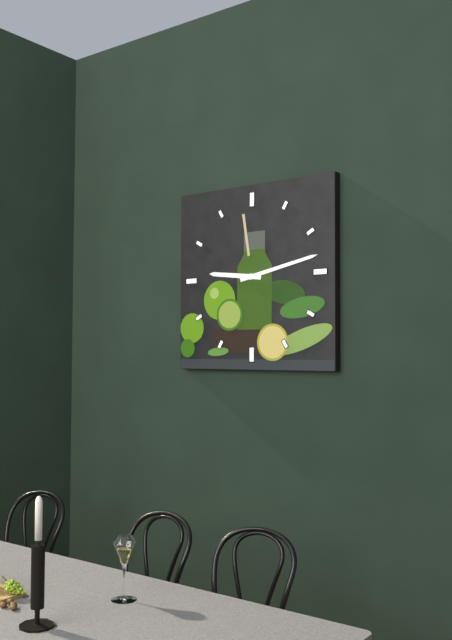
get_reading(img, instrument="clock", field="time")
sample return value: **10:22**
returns **9:13**
